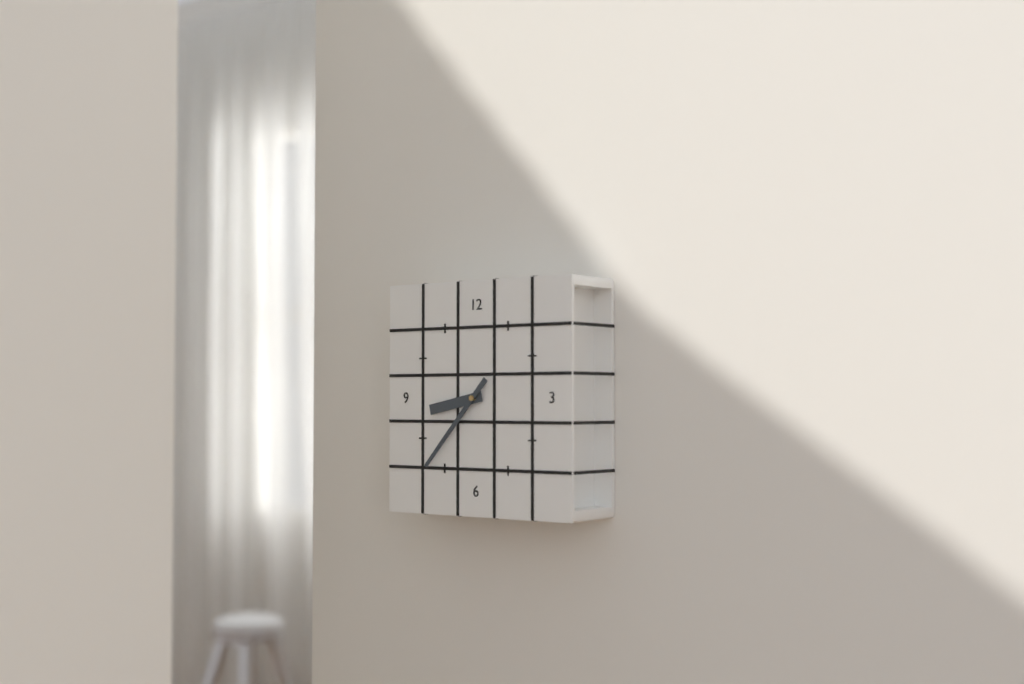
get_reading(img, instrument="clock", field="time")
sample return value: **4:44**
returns **8:37**
